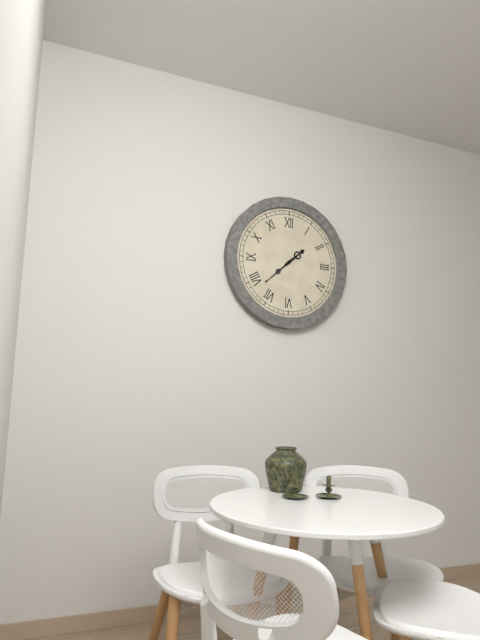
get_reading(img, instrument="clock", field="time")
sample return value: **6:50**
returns **1:38**
